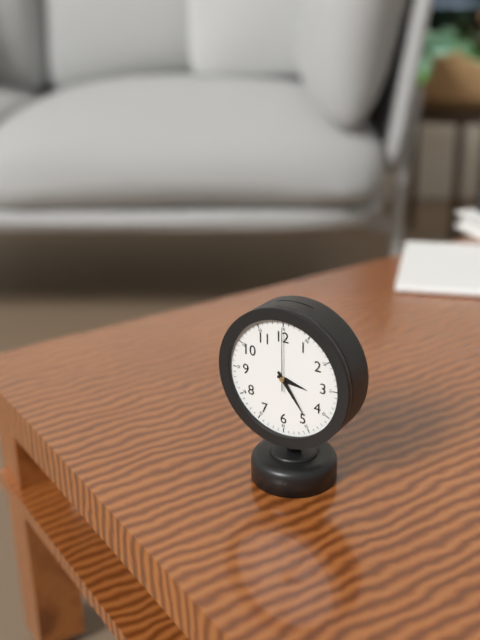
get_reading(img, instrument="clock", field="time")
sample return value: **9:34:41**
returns **3:24:00**
